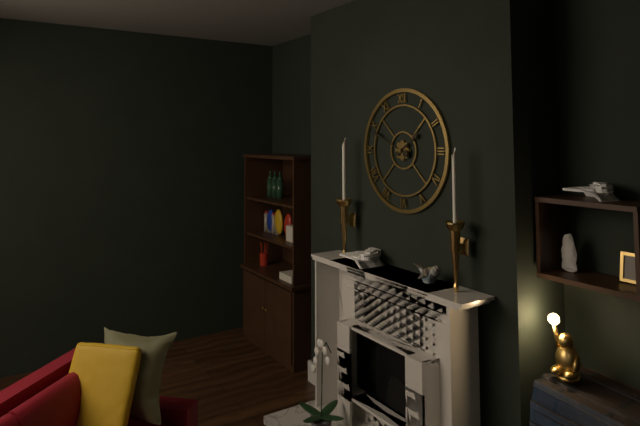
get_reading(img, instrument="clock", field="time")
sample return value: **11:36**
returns **1:49**
